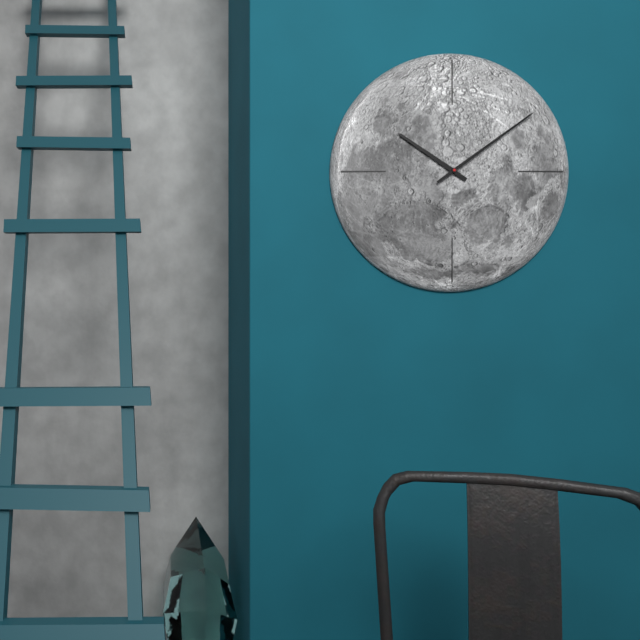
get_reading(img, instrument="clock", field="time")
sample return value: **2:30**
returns **10:09**
